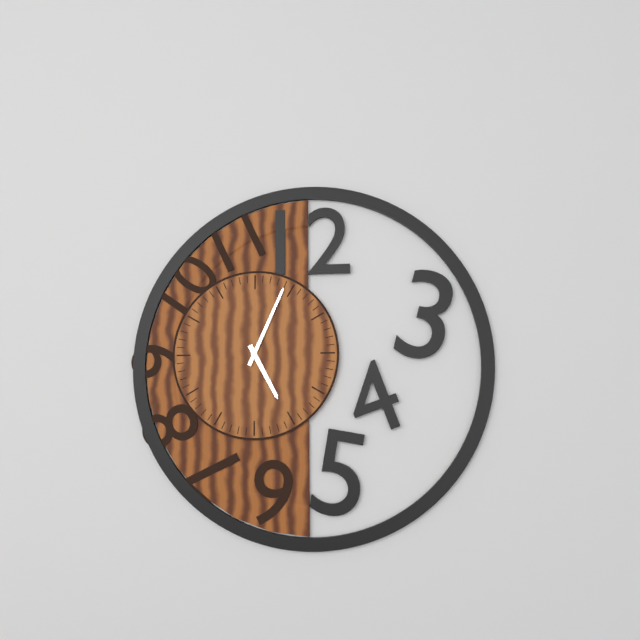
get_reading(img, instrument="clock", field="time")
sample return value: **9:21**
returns **5:04**
